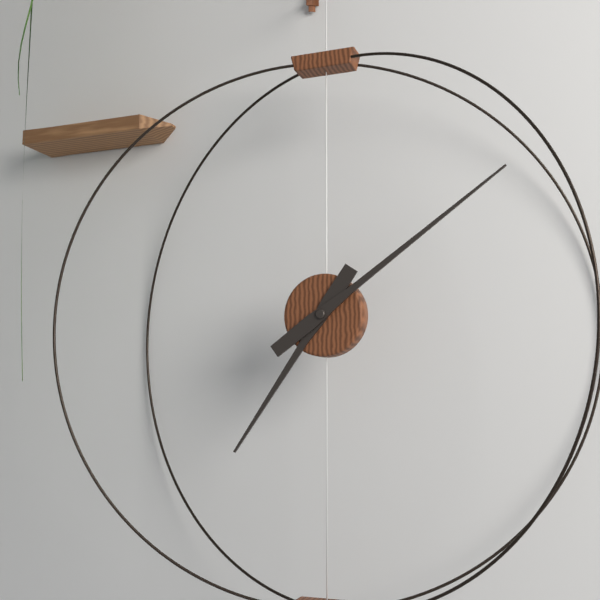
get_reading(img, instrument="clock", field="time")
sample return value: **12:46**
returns **7:09**
